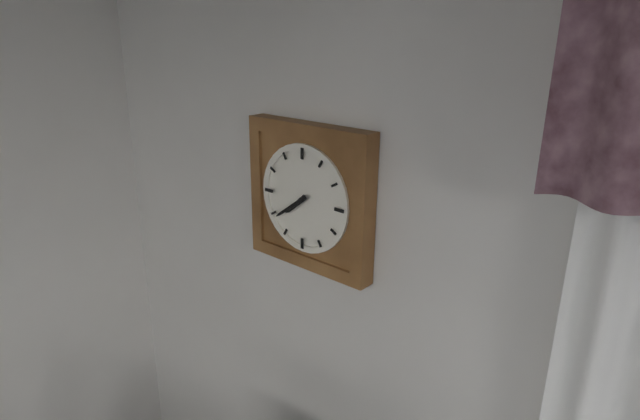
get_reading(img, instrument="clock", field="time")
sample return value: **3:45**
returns **7:39**
